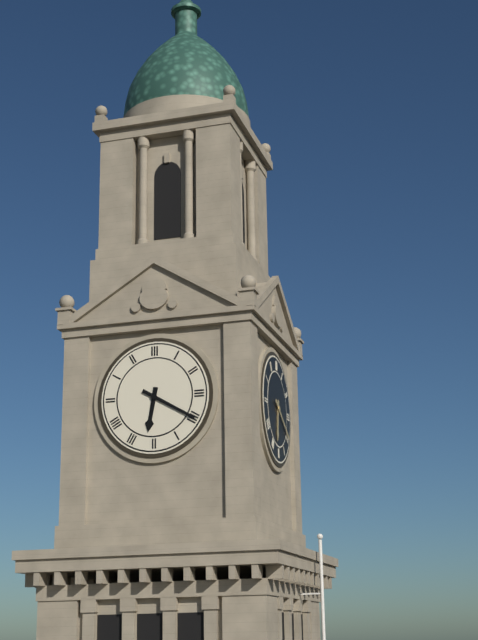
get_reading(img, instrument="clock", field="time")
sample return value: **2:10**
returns **6:20**
